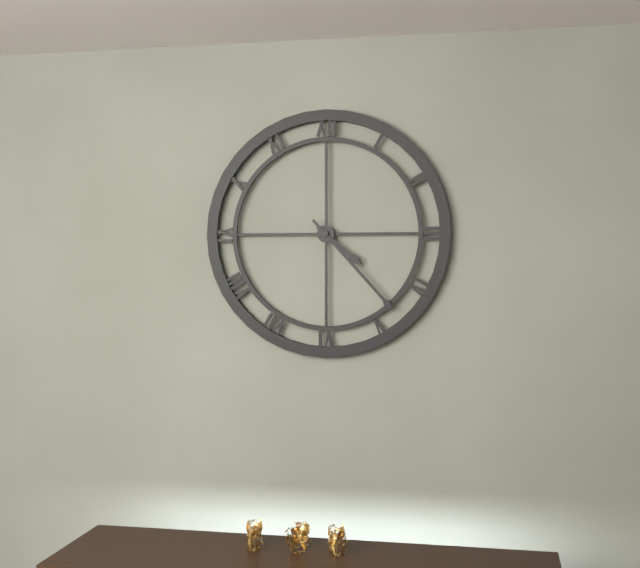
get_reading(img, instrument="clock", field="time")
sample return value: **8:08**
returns **4:23**
